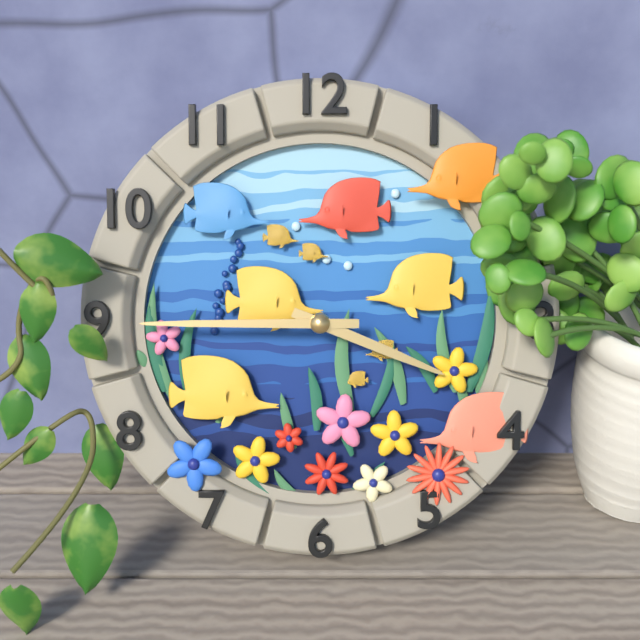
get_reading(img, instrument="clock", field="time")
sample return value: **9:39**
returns **3:45**
